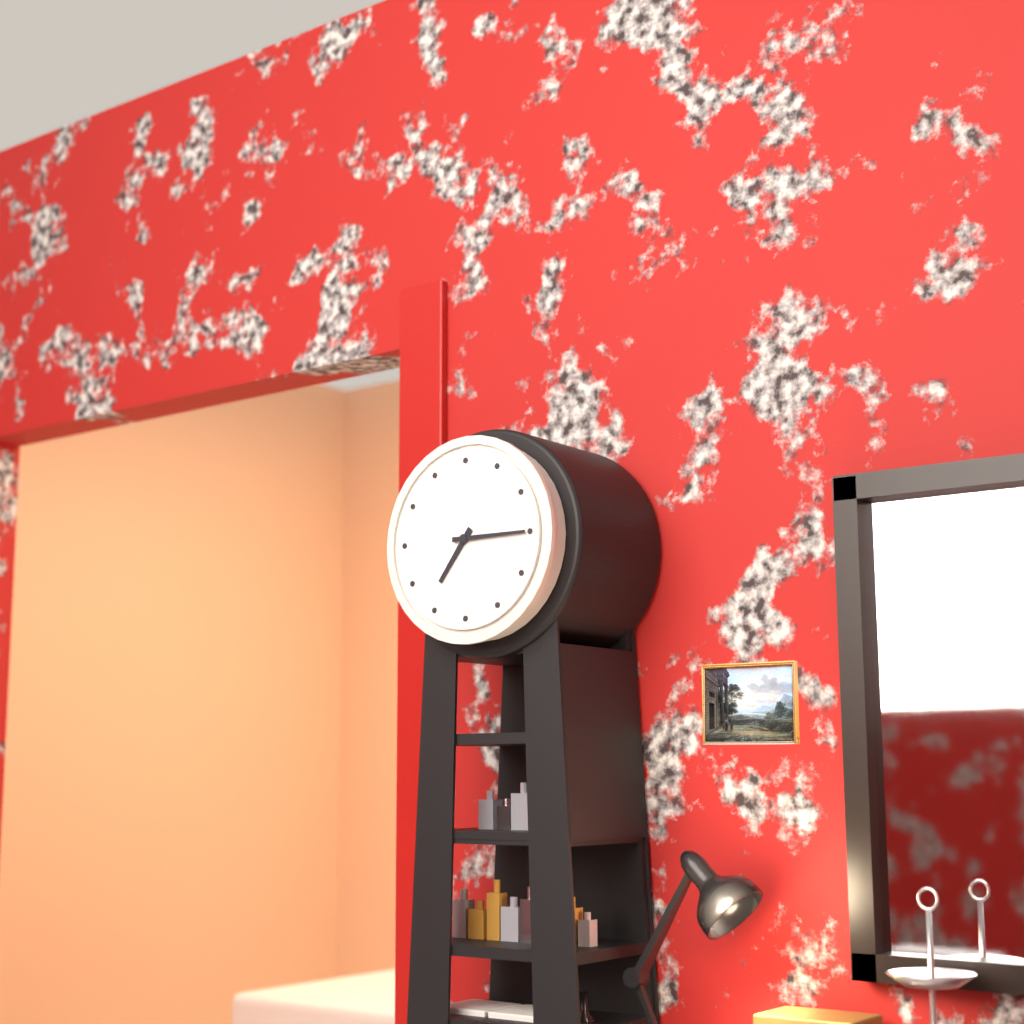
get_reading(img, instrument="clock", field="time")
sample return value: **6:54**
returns **7:15**
